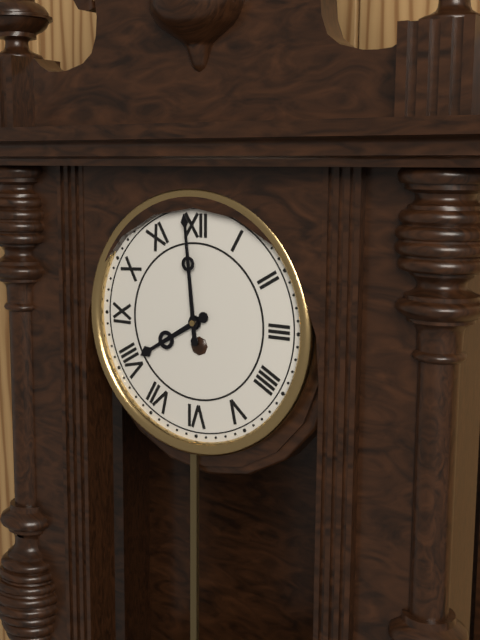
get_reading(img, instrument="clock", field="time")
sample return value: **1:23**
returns **7:59**
